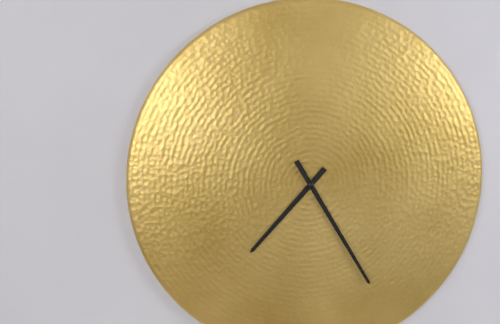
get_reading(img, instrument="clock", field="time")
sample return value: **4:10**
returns **7:25**
